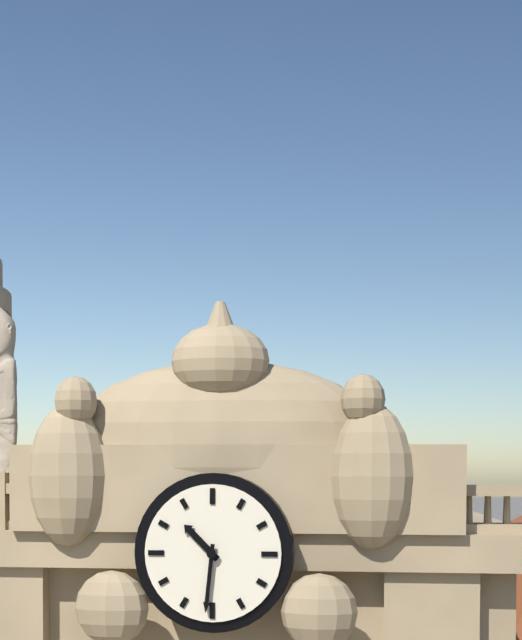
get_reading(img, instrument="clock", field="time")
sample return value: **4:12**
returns **10:31**
